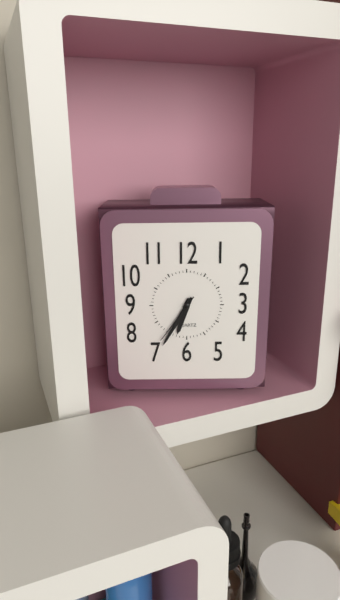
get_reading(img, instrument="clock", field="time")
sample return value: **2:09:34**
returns **6:35:36**
